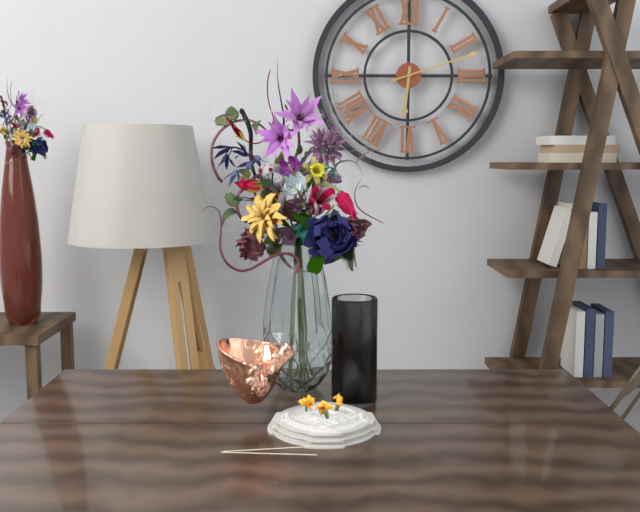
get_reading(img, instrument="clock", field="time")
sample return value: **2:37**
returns **6:12**
